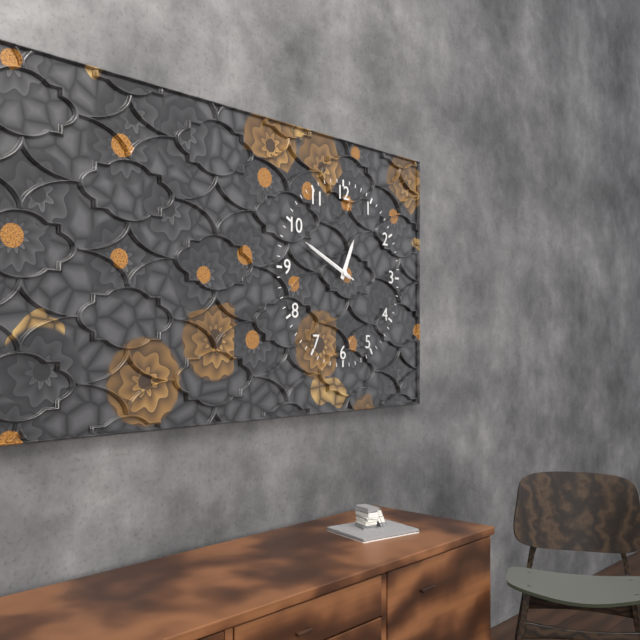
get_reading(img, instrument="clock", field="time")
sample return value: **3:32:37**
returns **12:49:49**
